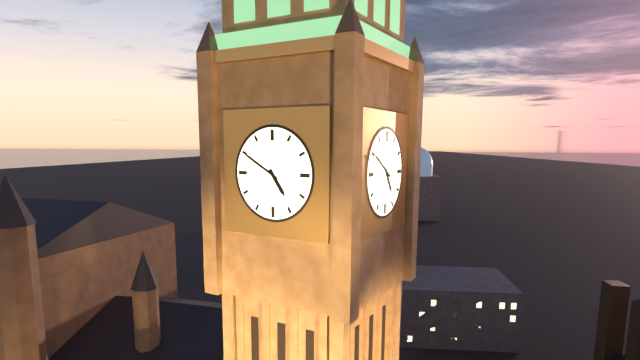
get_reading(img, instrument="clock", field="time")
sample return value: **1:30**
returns **4:50**
